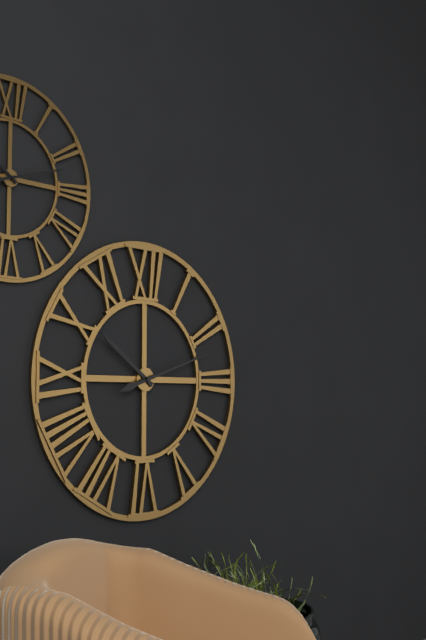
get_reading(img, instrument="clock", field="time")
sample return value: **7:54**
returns **10:12**
